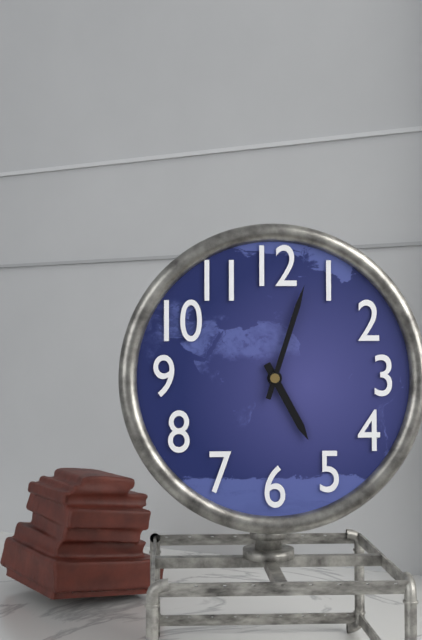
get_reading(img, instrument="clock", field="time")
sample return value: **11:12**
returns **5:03**
